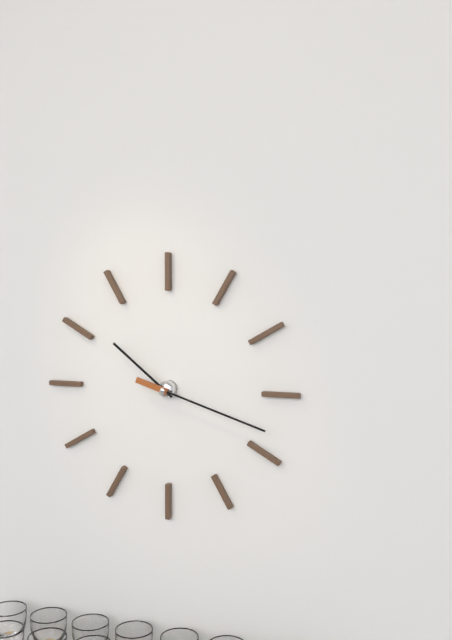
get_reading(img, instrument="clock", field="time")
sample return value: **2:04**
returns **10:18**
